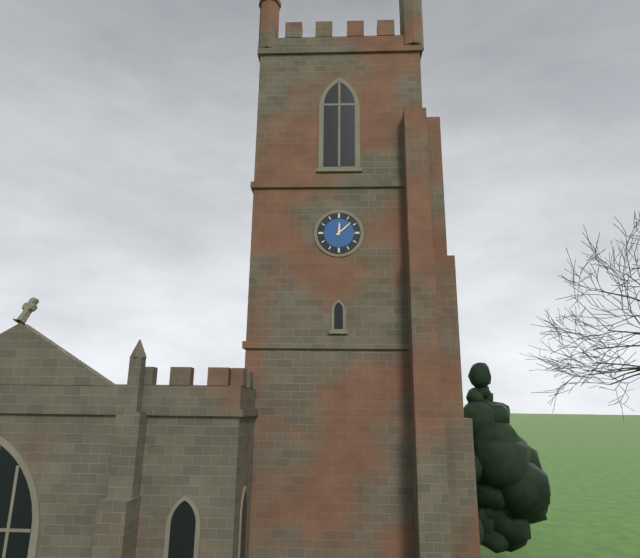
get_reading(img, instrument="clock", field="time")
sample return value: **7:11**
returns **12:08**
